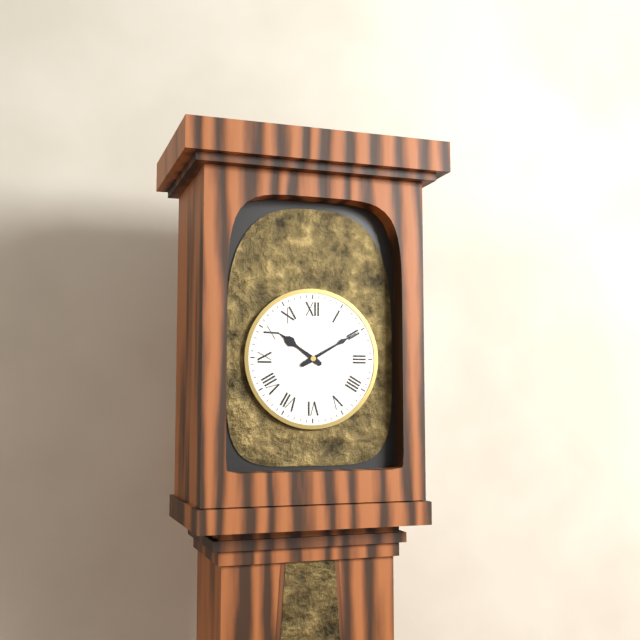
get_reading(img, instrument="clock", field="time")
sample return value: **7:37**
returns **10:10**
